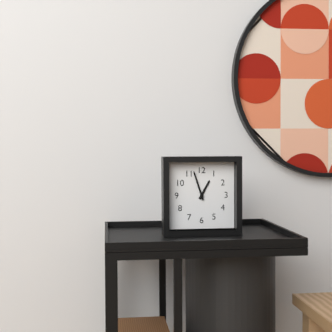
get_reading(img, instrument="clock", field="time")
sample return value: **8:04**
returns **12:57**
